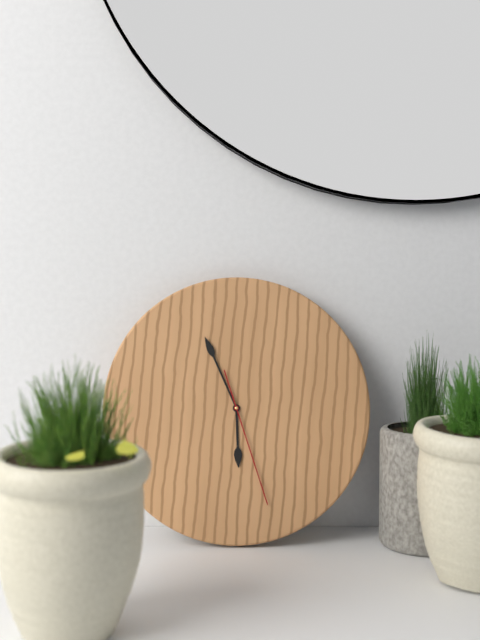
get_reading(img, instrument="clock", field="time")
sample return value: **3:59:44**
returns **5:56:27**
